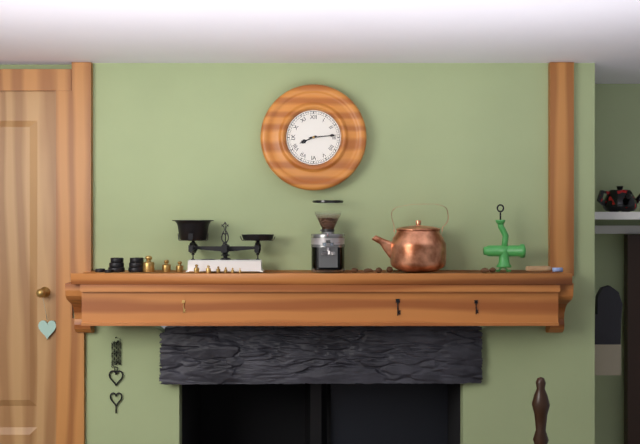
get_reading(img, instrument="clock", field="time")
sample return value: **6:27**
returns **8:14**
